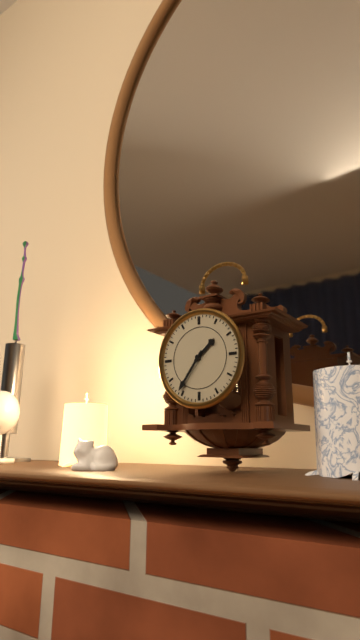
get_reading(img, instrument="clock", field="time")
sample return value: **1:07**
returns **1:36**
